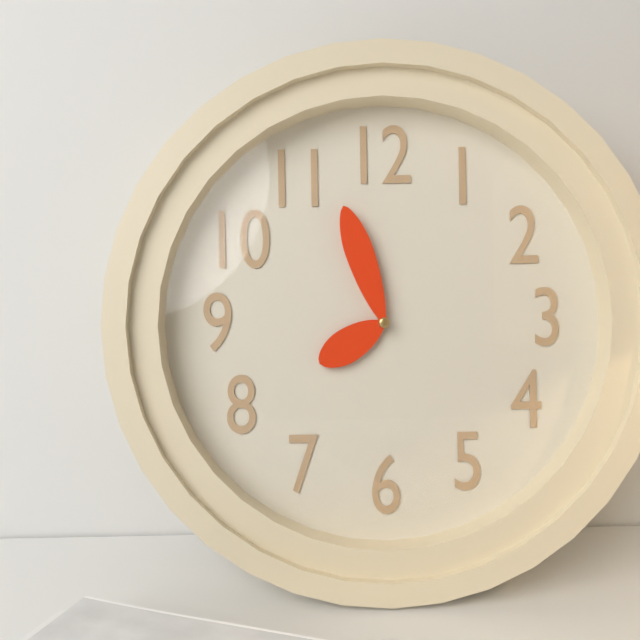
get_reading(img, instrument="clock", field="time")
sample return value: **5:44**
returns **7:57**
